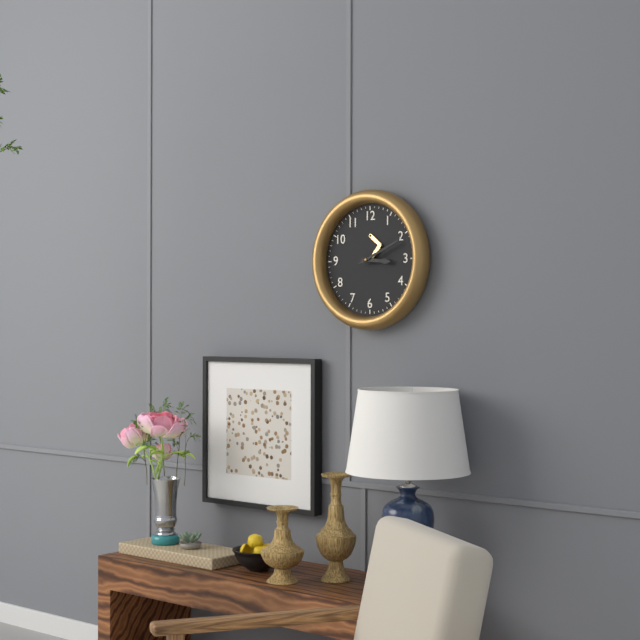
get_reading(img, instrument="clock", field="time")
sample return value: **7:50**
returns **3:11**
